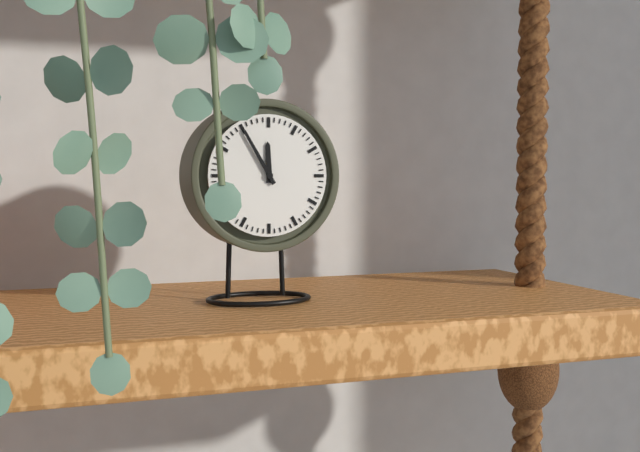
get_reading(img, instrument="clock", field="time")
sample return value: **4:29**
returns **11:55**
